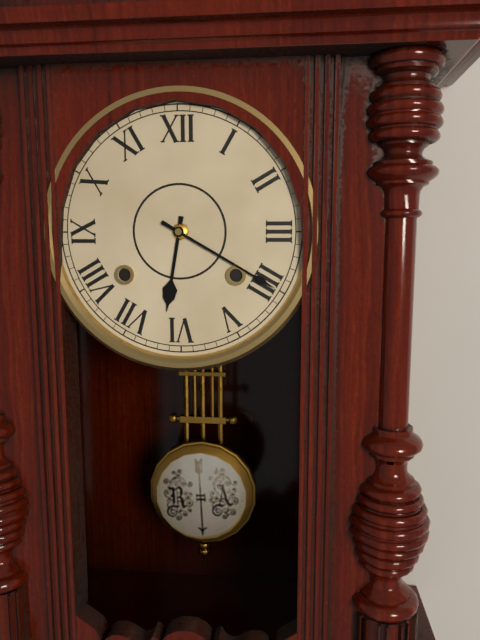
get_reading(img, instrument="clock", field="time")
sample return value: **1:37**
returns **6:20**
